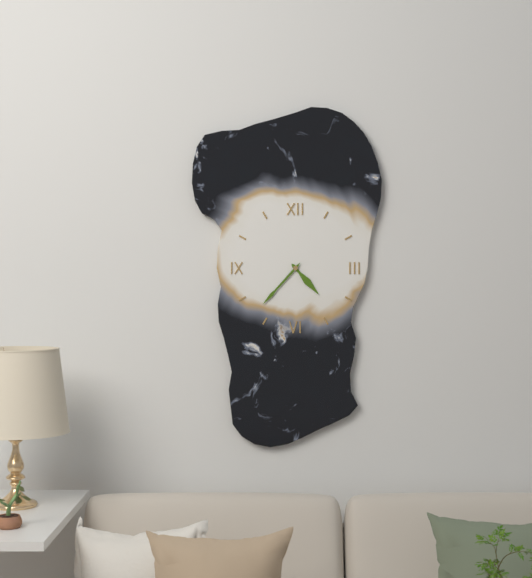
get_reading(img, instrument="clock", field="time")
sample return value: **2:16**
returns **4:37**
